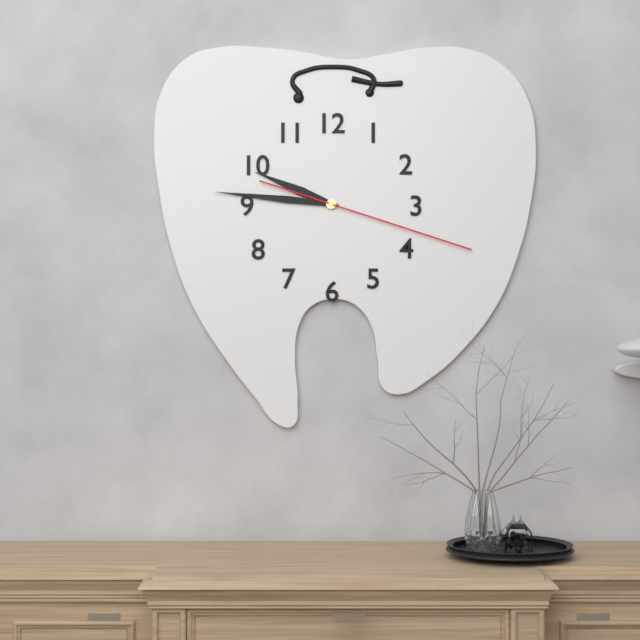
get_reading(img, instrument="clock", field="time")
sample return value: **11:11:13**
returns **9:46:18**
